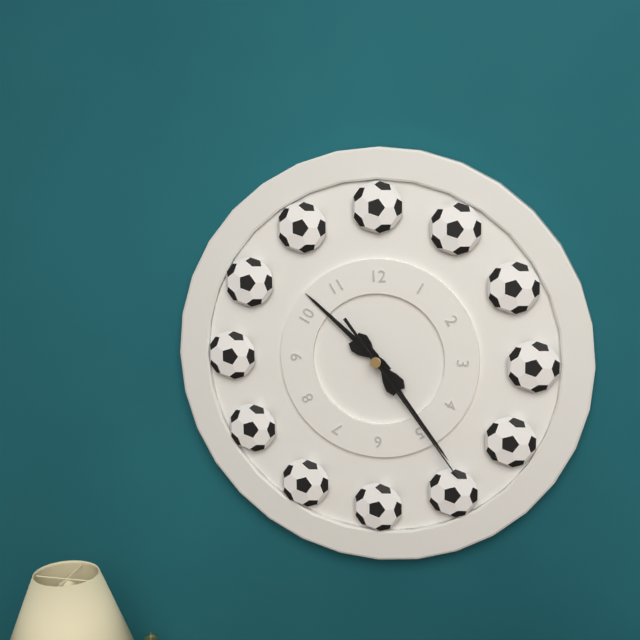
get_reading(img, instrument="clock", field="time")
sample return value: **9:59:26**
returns **10:24:24**
